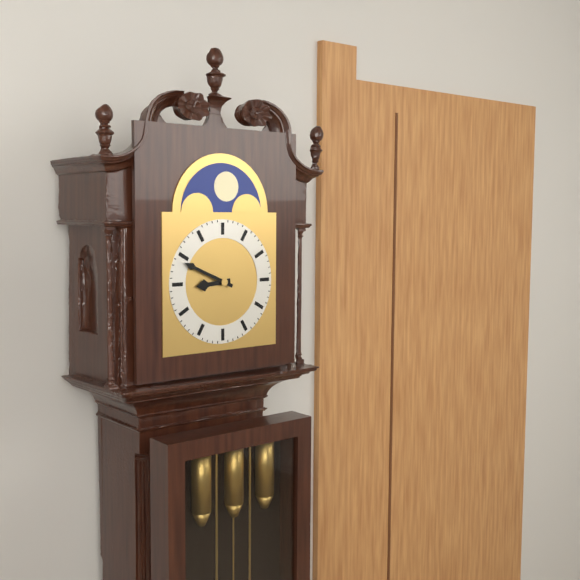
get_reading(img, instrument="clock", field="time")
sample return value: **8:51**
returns **8:49**
